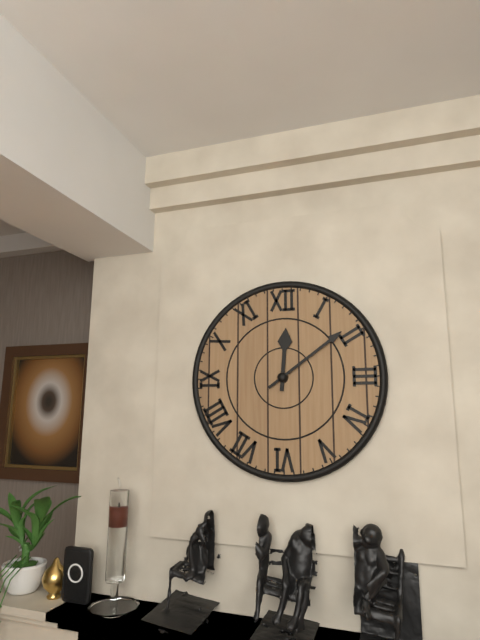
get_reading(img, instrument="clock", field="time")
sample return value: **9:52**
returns **12:09**
